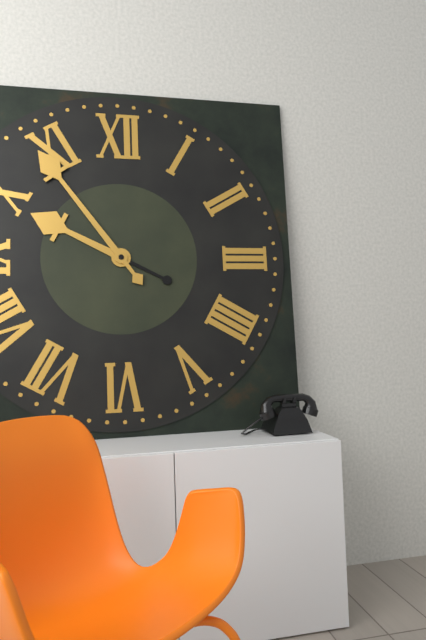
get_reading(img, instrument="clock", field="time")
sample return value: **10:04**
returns **9:54**
